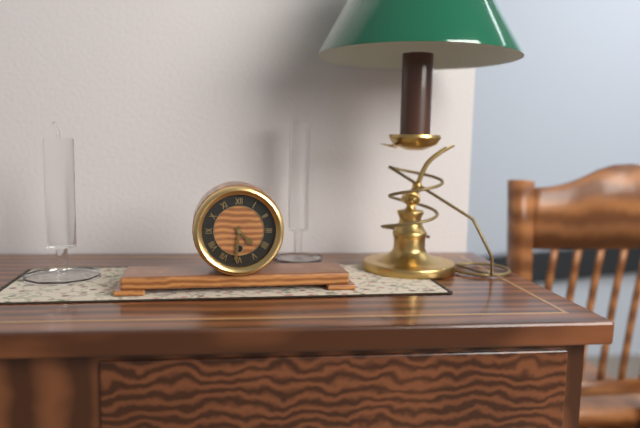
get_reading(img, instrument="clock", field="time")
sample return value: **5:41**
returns **4:31**
